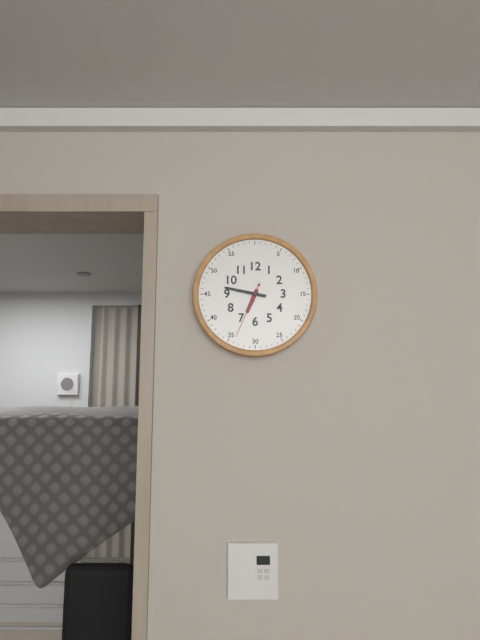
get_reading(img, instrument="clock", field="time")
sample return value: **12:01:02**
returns **6:47:34**
